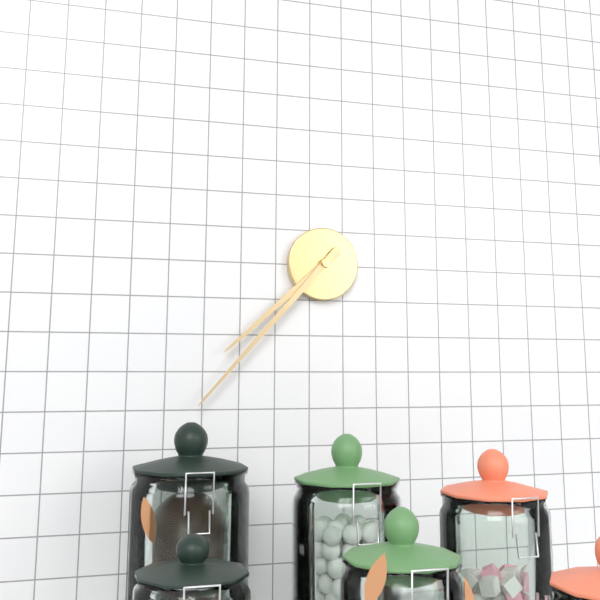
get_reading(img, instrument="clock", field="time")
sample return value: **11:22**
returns **7:37**
